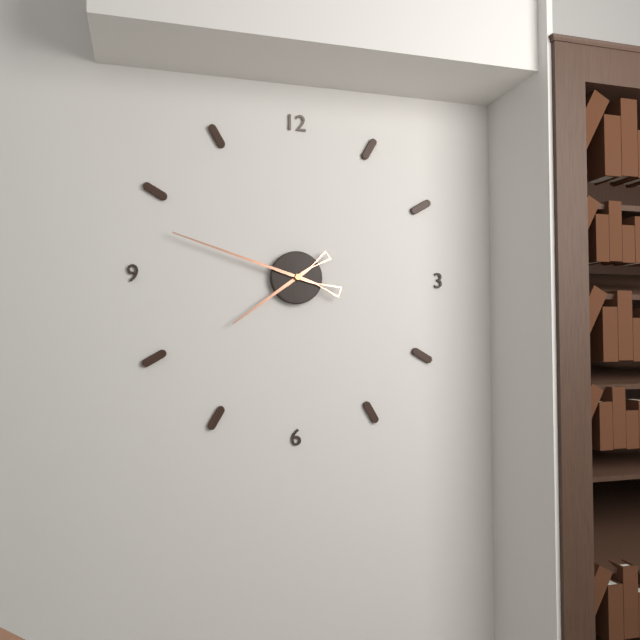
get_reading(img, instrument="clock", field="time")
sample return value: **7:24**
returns **7:48**
